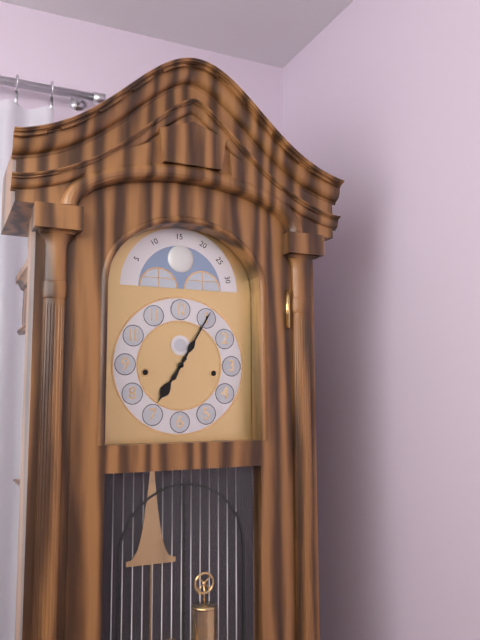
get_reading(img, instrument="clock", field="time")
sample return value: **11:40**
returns **7:05**
